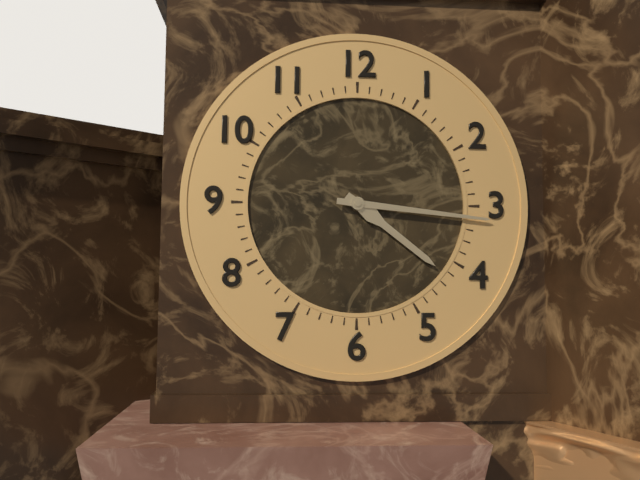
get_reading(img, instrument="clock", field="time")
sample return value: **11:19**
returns **4:16**
